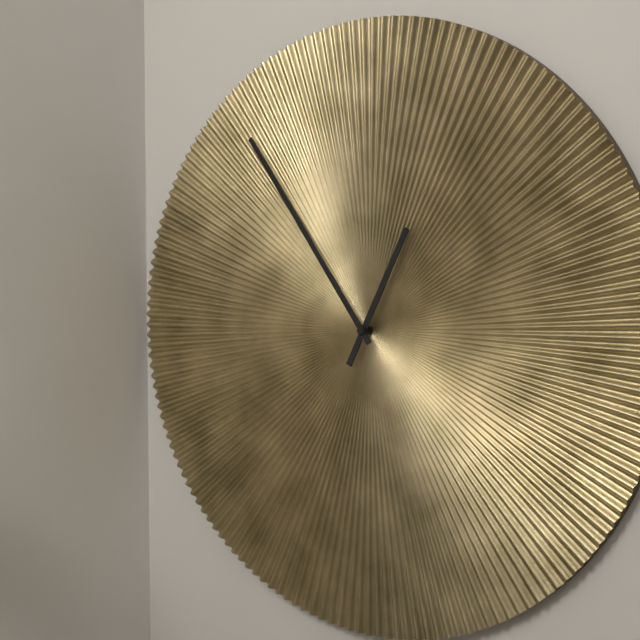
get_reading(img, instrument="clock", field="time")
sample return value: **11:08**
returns **12:54**
